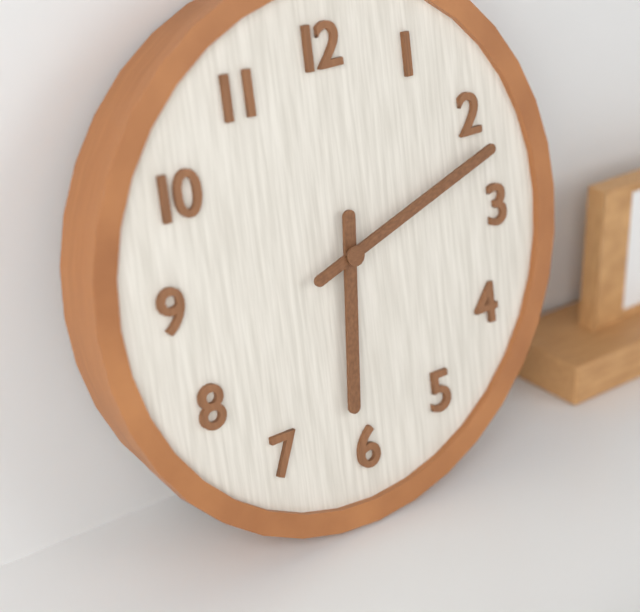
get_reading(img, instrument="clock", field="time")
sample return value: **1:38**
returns **6:12**
